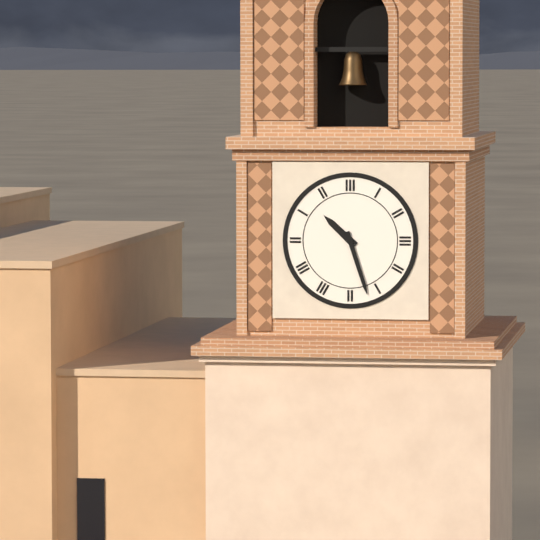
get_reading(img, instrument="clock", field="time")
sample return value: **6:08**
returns **10:27**
